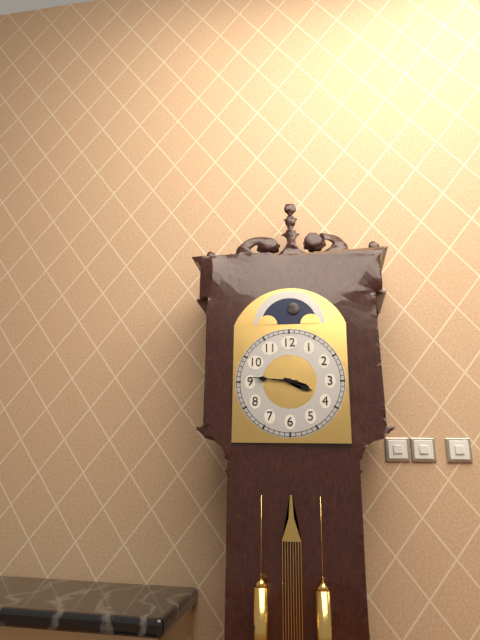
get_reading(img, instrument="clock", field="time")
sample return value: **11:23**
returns **3:46**
